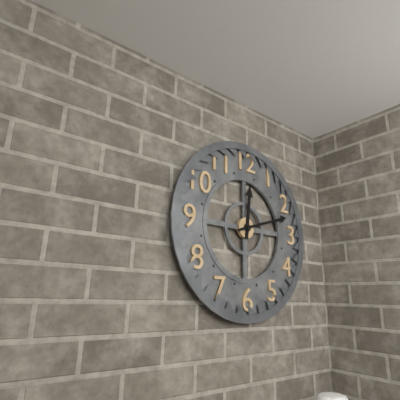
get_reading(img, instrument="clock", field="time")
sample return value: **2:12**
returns **12:12**
